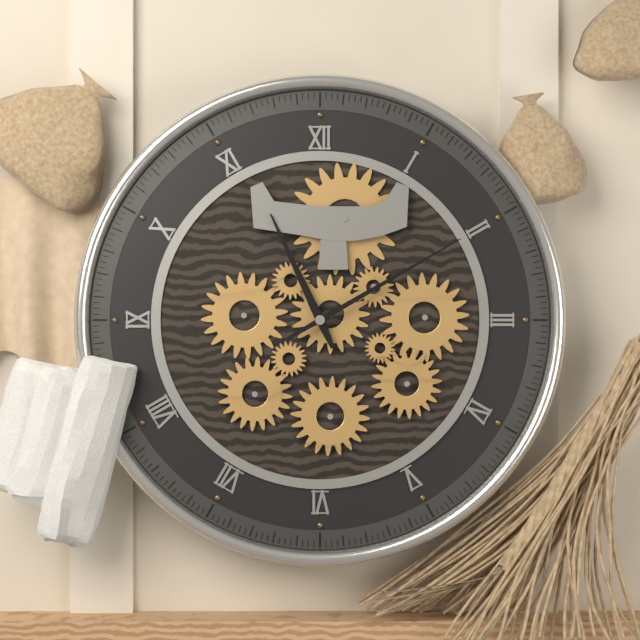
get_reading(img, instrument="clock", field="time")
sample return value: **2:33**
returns **11:10**
